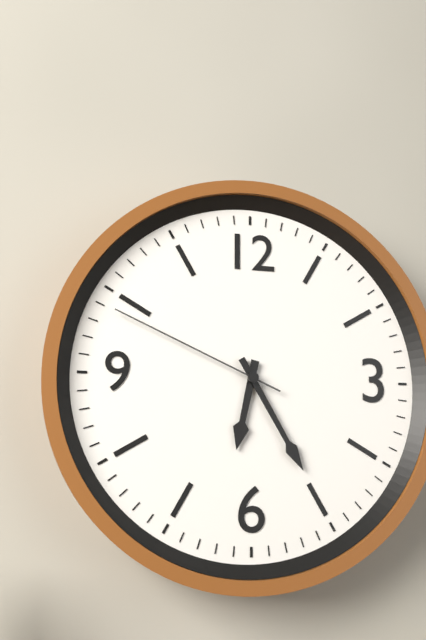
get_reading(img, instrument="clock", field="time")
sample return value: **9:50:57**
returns **6:25:49**
